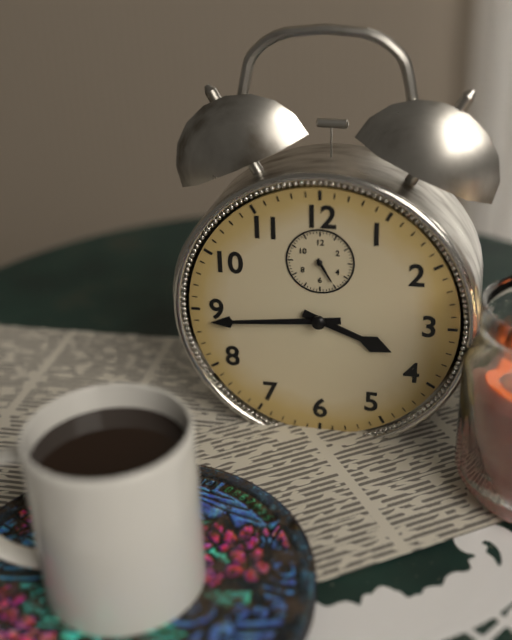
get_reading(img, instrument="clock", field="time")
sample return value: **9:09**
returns **3:44**
